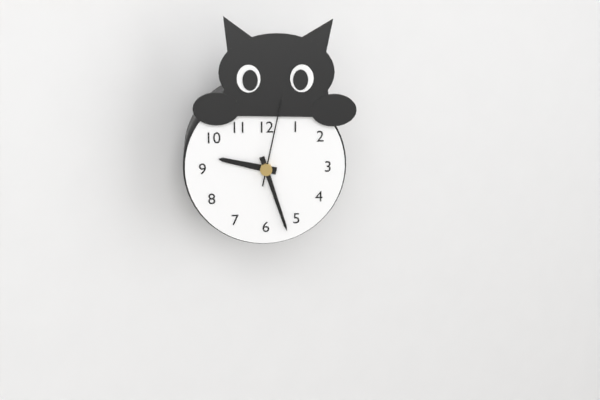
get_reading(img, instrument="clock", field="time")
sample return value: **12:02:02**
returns **9:27:02**
